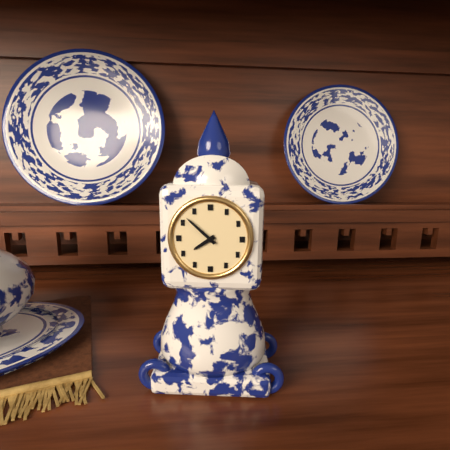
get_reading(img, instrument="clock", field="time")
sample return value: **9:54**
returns **7:52**
